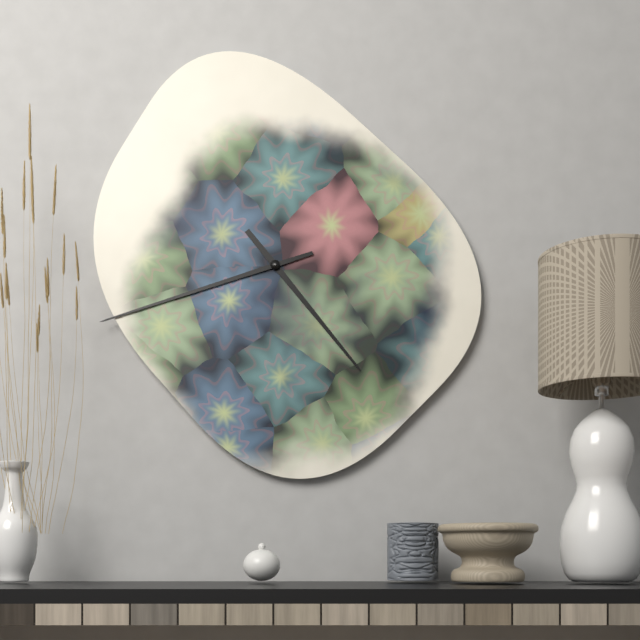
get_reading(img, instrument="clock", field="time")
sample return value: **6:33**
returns **4:42**
